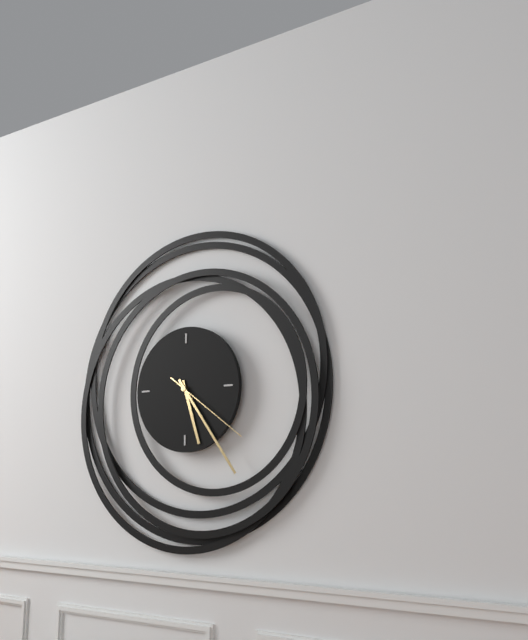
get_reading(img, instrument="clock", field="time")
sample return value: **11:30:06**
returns **5:24:21**
